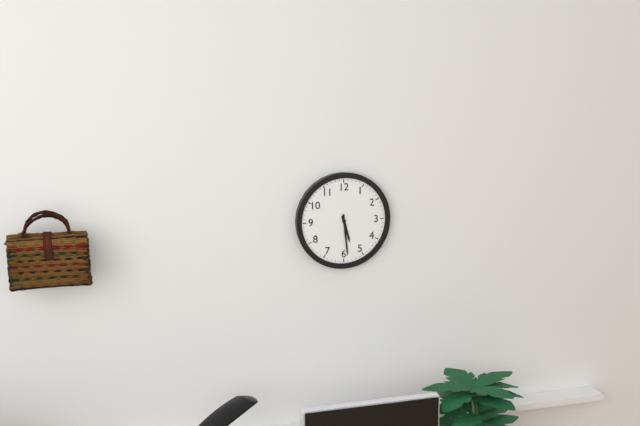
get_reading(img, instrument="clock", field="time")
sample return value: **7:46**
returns **5:29**
